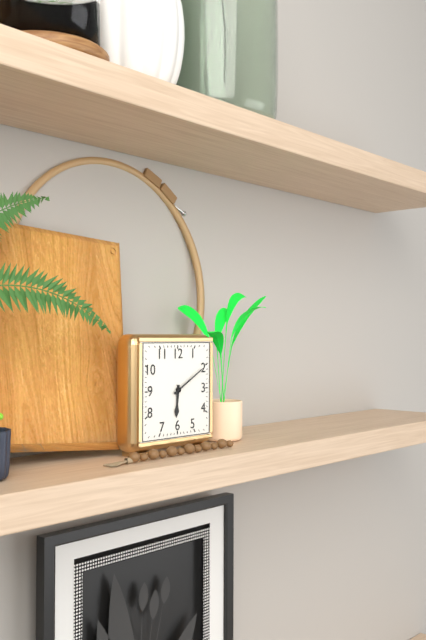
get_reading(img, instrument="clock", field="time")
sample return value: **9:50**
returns **6:10**
